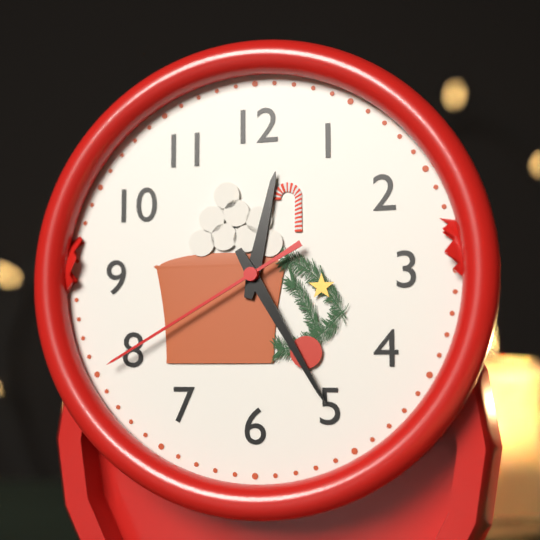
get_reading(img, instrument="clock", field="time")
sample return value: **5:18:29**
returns **12:25:40**
